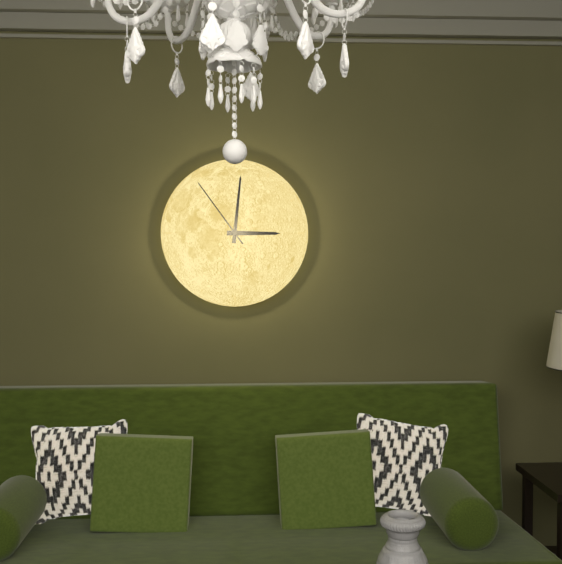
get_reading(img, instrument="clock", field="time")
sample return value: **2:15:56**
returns **3:01:54**
